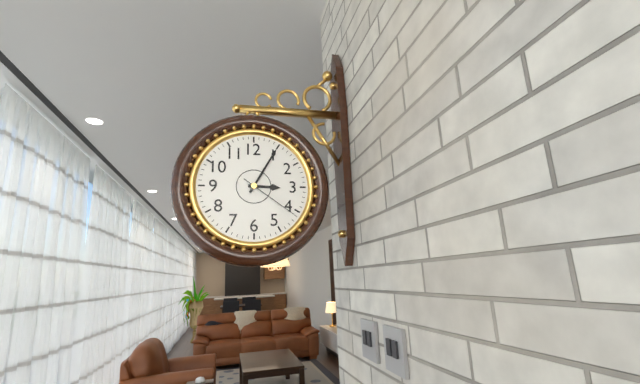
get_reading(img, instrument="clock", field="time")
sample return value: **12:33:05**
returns **3:05:21**
